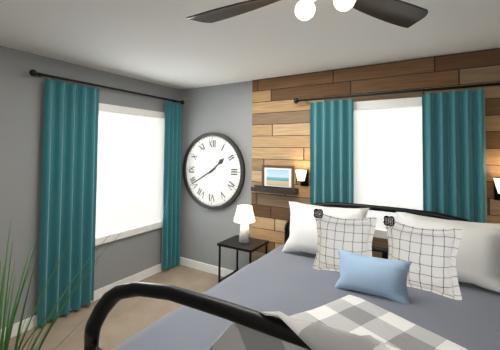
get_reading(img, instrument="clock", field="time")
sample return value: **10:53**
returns **1:40**
